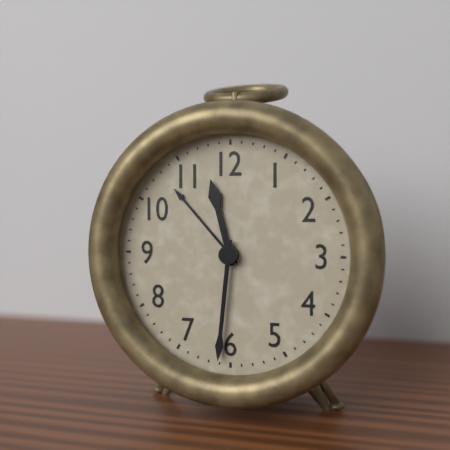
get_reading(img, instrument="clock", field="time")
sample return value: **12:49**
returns **11:31**
